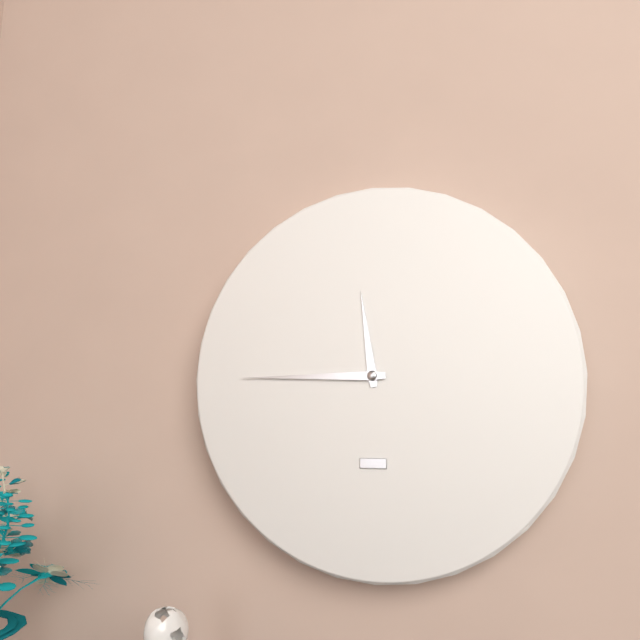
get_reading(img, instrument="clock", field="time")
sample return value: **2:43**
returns **11:45**
